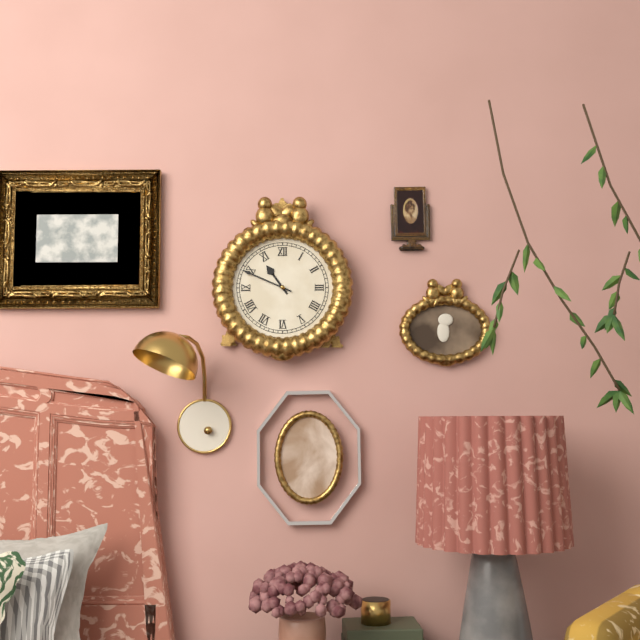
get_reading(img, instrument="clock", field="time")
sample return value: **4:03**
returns **10:49**
